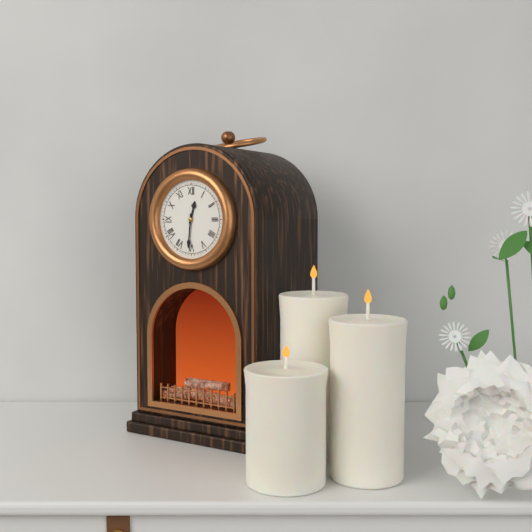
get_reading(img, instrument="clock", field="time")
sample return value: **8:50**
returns **12:31**
